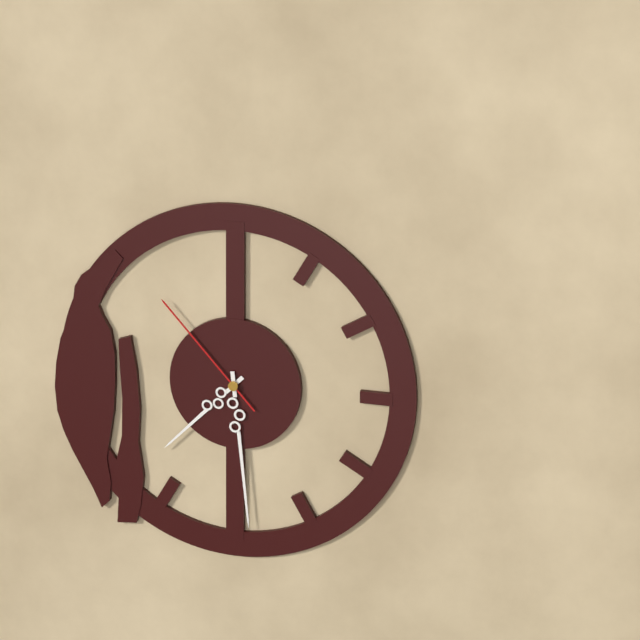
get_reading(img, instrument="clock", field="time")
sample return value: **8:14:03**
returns **7:29:53**
